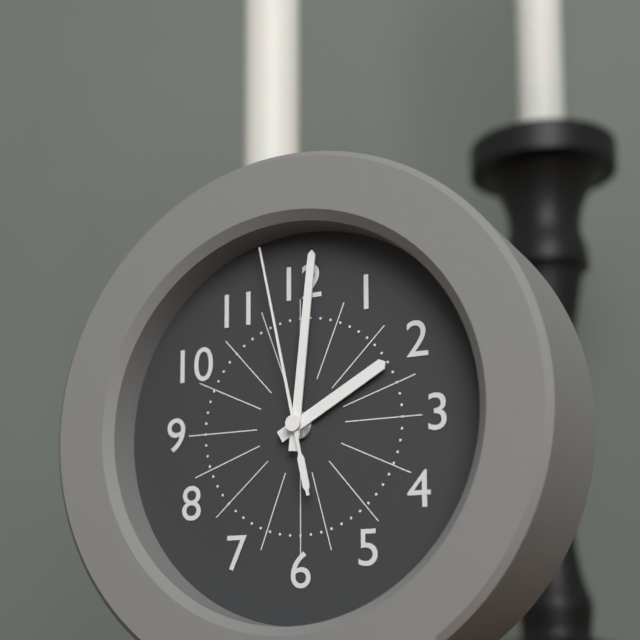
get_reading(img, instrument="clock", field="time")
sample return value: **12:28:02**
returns **2:01:58**
